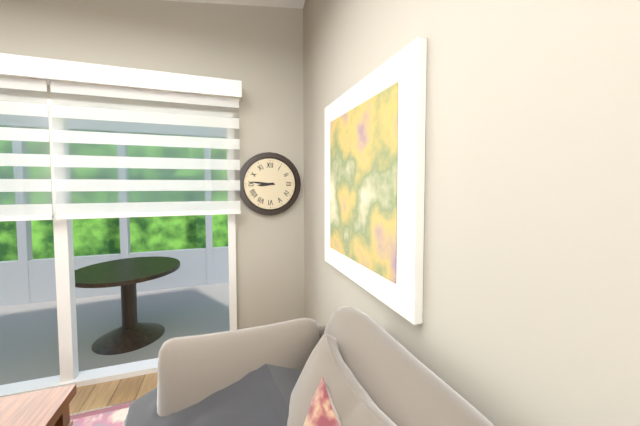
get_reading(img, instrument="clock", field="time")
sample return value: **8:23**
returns **8:46**
